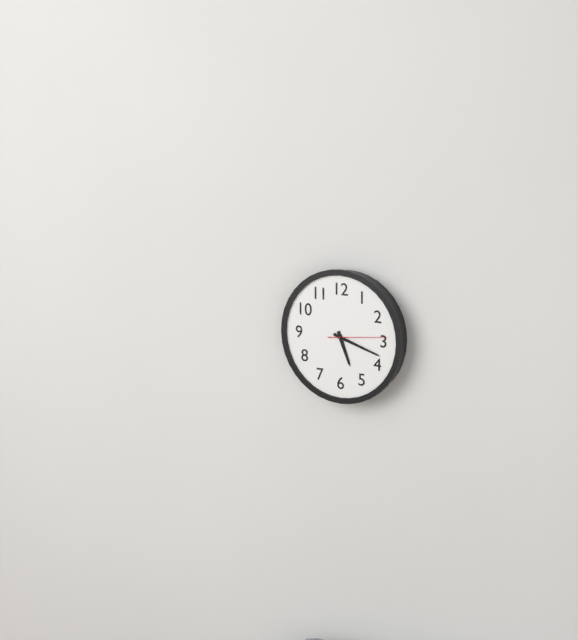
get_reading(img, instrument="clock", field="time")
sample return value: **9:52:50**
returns **5:18:14**
